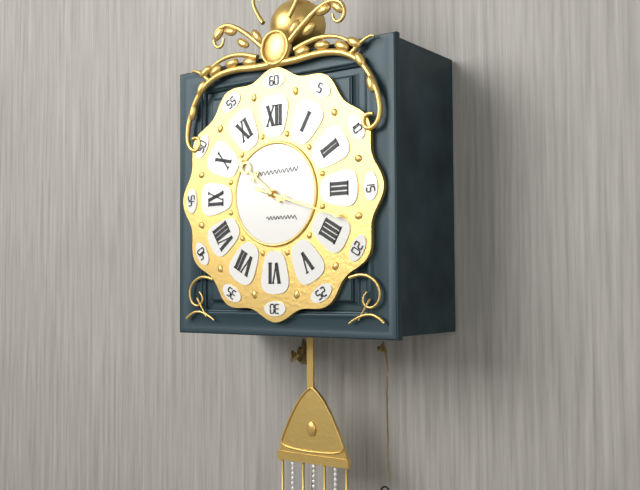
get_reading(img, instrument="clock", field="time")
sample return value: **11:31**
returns **10:18**
